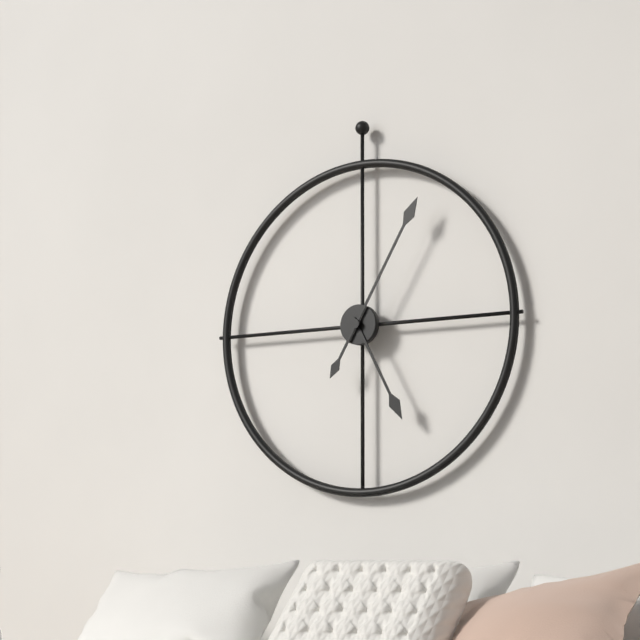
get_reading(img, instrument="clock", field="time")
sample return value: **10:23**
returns **5:05**
